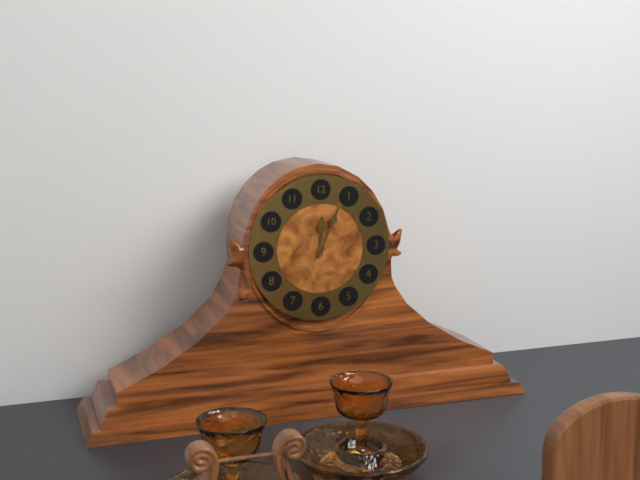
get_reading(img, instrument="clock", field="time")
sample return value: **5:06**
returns **12:04**
